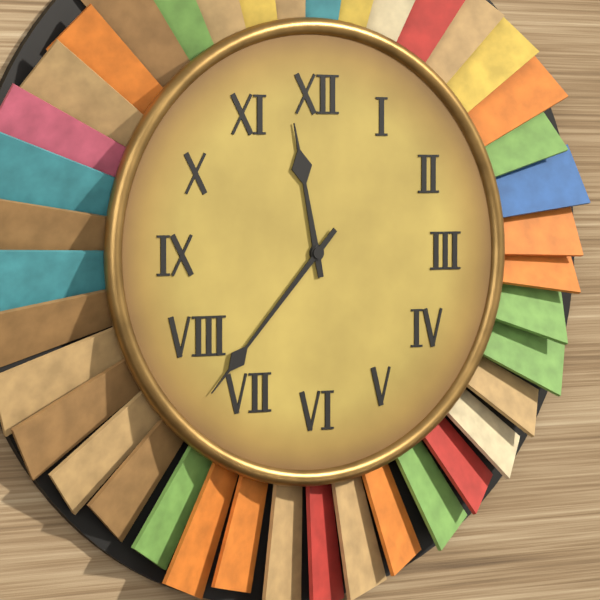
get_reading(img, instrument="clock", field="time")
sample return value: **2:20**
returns **11:37**
